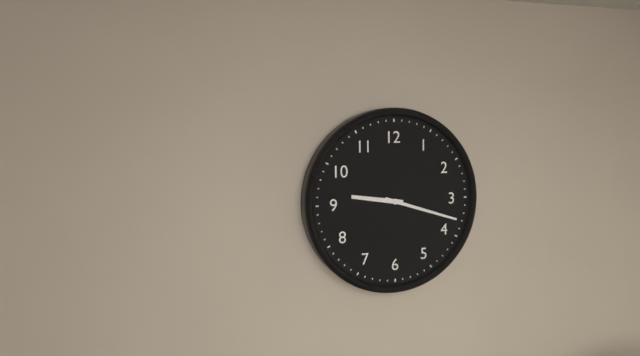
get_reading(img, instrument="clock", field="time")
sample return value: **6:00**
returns **9:18**
